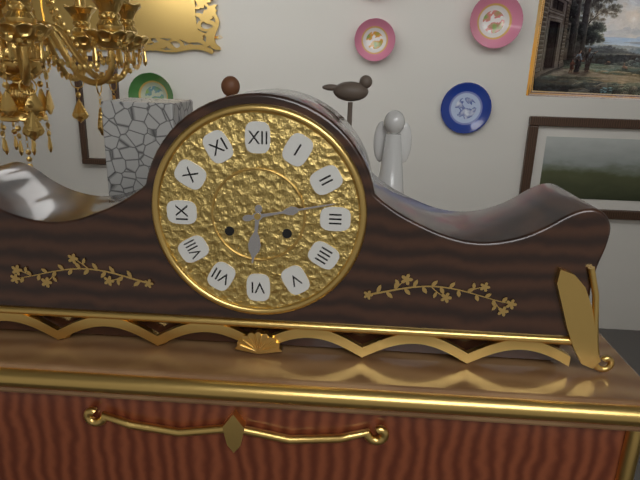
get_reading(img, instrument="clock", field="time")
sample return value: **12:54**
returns **6:13**
